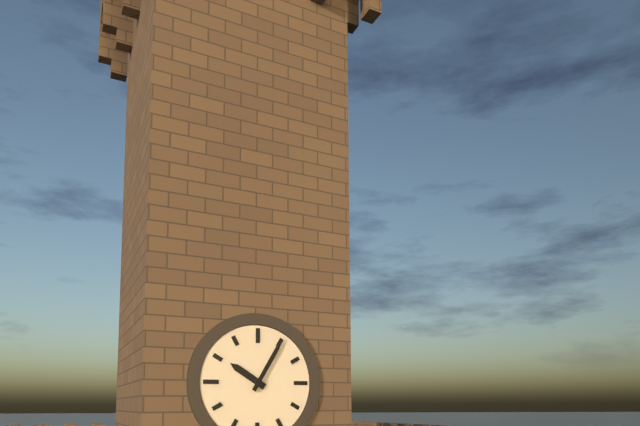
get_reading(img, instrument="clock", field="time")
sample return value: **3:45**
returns **10:05**
